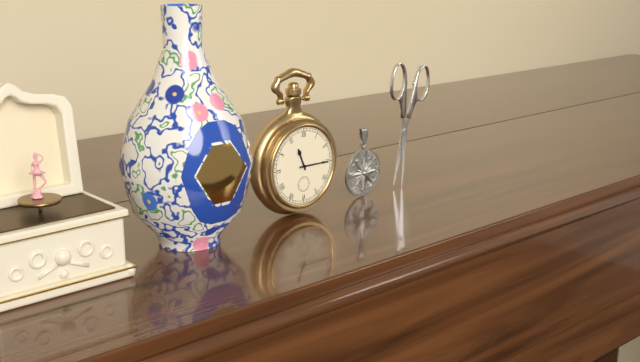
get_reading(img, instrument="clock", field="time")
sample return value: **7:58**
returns **11:15**
